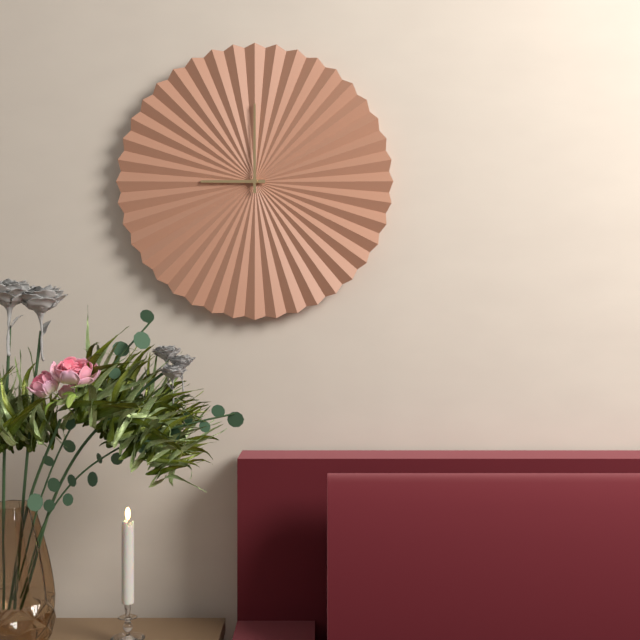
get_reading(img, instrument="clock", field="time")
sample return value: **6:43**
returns **9:00**
